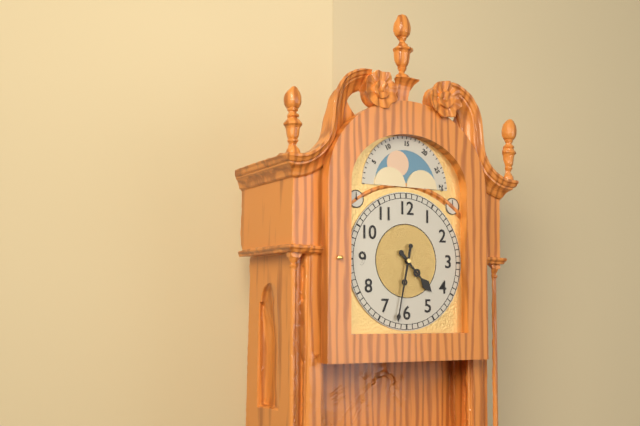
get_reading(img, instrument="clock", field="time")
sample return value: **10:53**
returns **4:32**
